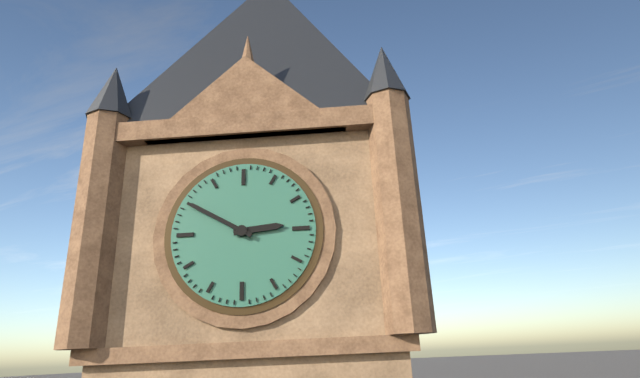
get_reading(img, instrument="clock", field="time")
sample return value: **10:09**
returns **2:50**
